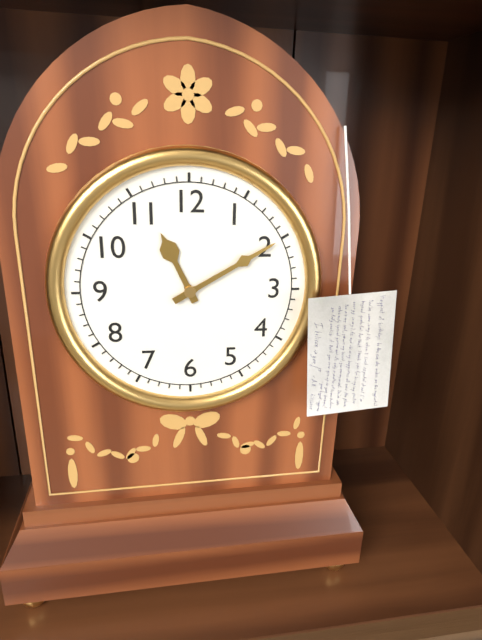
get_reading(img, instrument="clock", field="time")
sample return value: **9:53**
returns **11:10**
